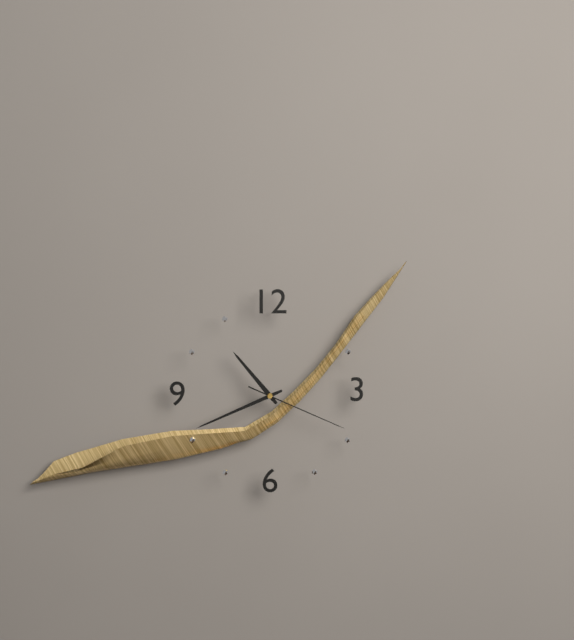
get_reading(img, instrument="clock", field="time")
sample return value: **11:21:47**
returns **10:41:19**
